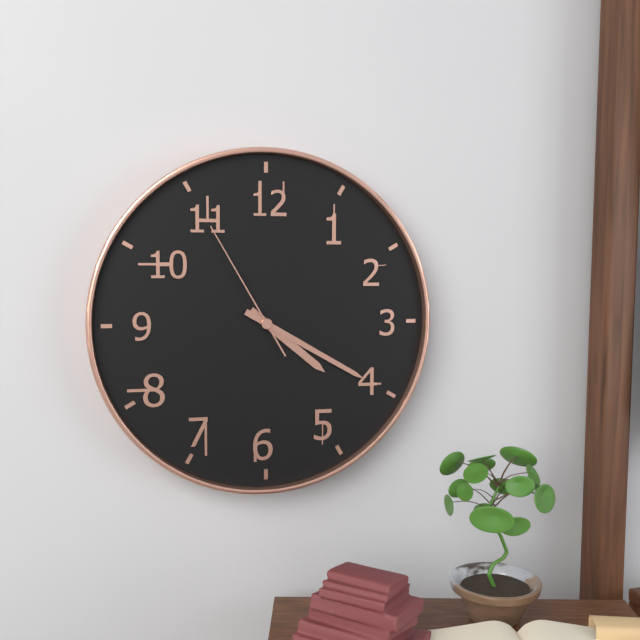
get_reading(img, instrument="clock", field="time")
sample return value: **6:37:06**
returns **4:20:55**
